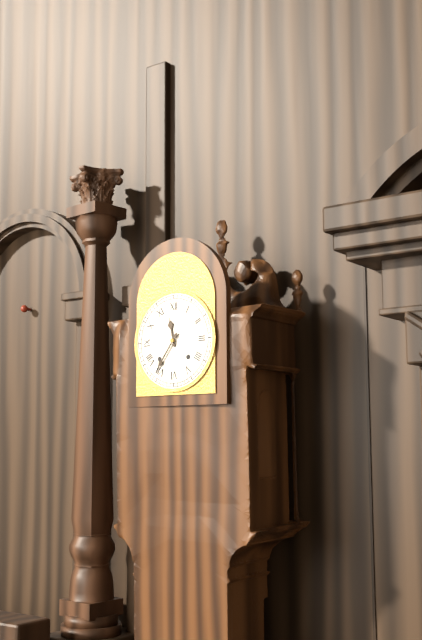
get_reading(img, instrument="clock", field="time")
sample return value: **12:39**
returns **11:36**
